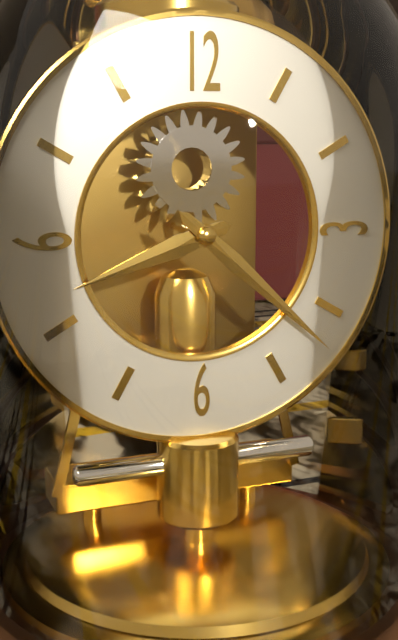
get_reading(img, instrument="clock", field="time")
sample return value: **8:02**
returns **8:22**
